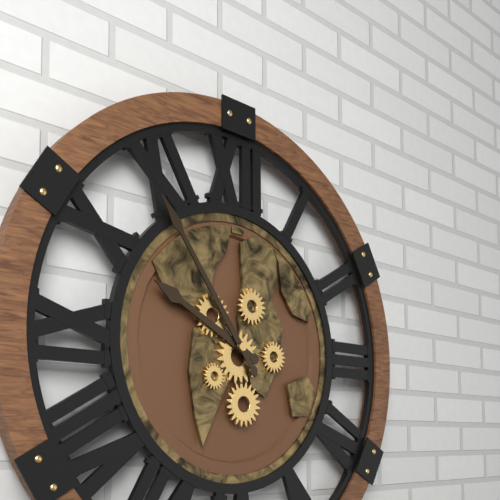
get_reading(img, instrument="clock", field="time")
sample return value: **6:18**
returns **9:54**
